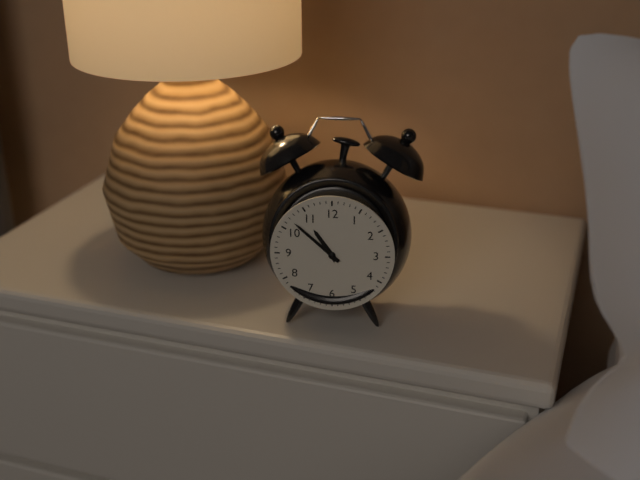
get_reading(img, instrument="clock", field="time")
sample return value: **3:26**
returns **10:52**
